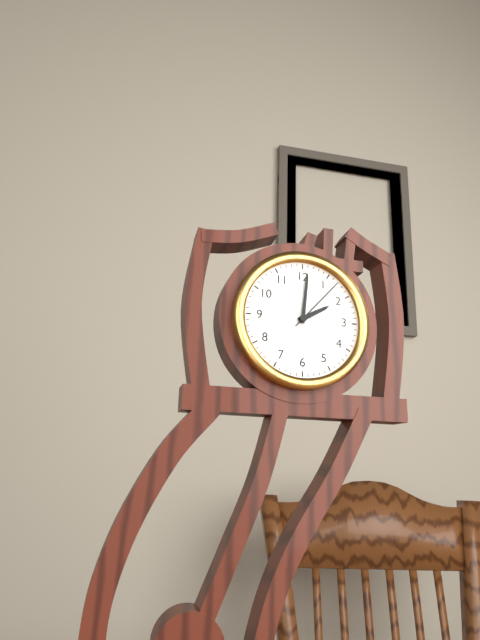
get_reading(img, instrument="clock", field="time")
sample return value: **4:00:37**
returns **2:01:07**
